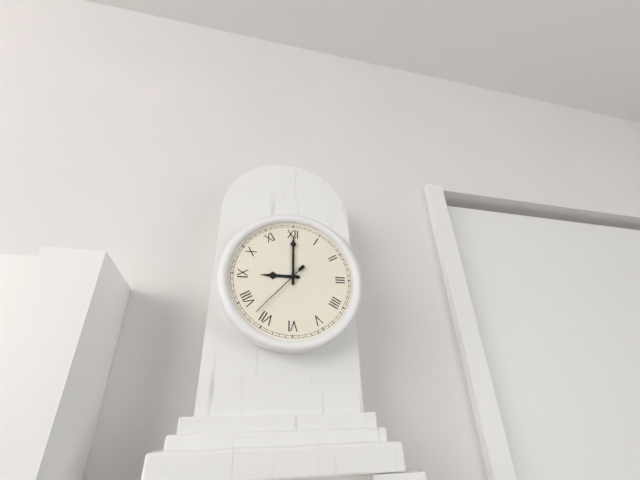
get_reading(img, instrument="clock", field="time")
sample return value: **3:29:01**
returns **9:00:37**
